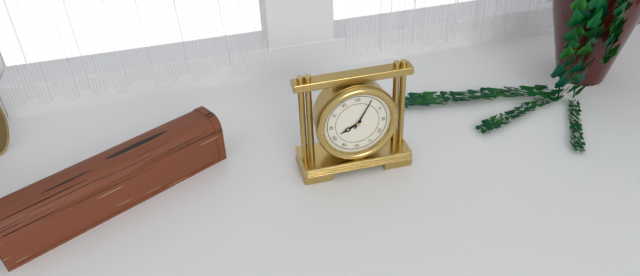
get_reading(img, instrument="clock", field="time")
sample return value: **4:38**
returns **8:05**
